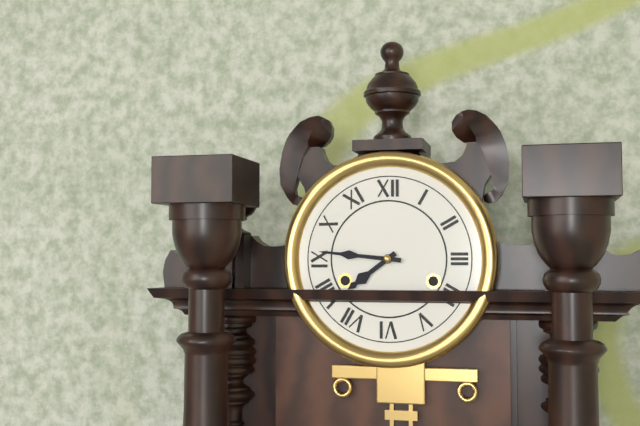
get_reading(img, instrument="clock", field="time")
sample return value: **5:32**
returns **7:46**
